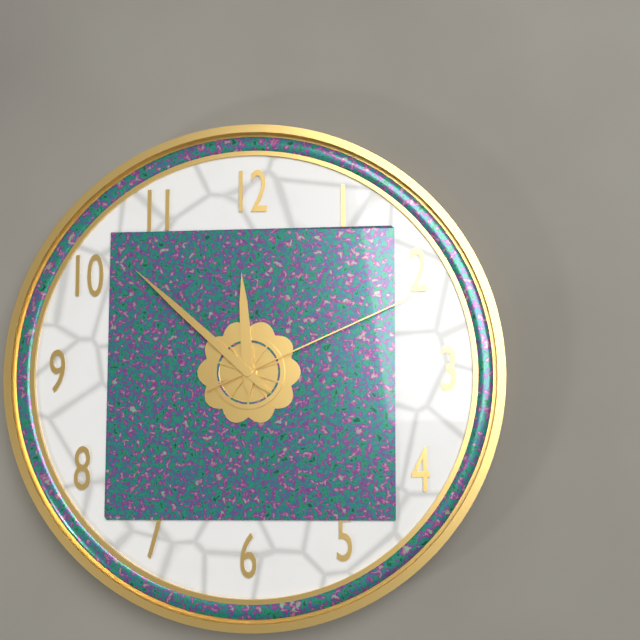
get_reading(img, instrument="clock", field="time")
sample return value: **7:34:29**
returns **11:52:11**
